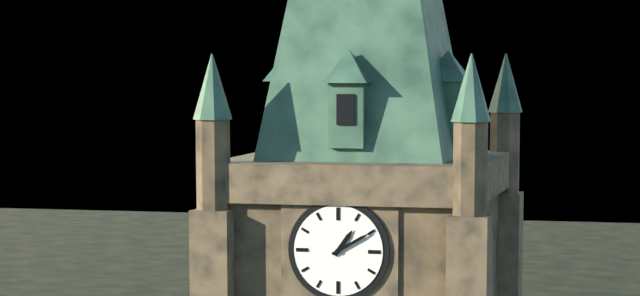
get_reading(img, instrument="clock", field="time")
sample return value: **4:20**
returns **1:10**
